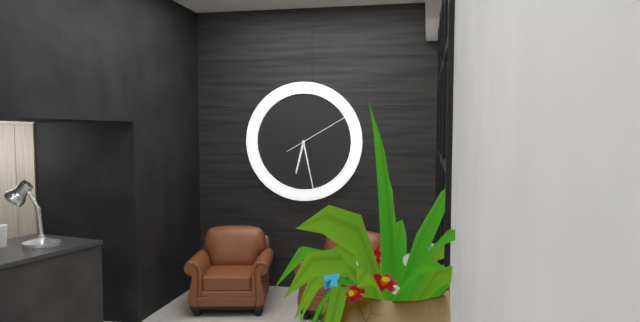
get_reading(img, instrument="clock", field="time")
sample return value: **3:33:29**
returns **6:28:10**
